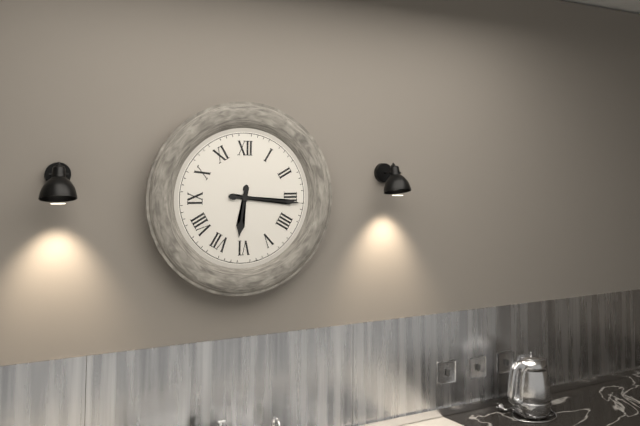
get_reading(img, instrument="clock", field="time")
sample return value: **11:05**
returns **6:16**
